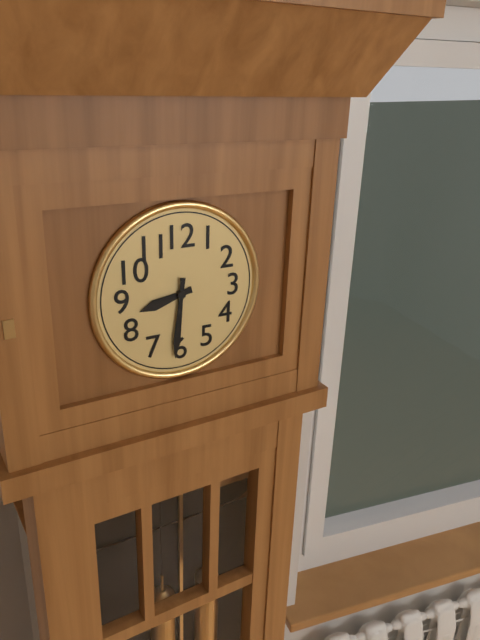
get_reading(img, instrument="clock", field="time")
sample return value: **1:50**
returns **8:31**
